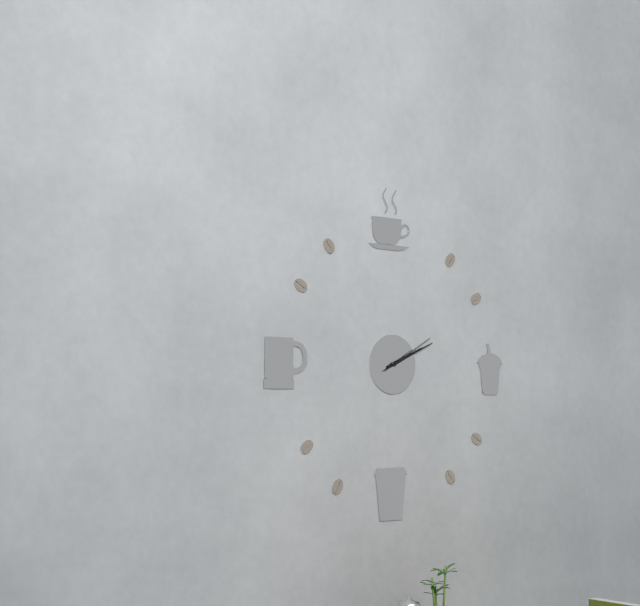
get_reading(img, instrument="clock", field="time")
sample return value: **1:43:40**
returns **2:11:10**
